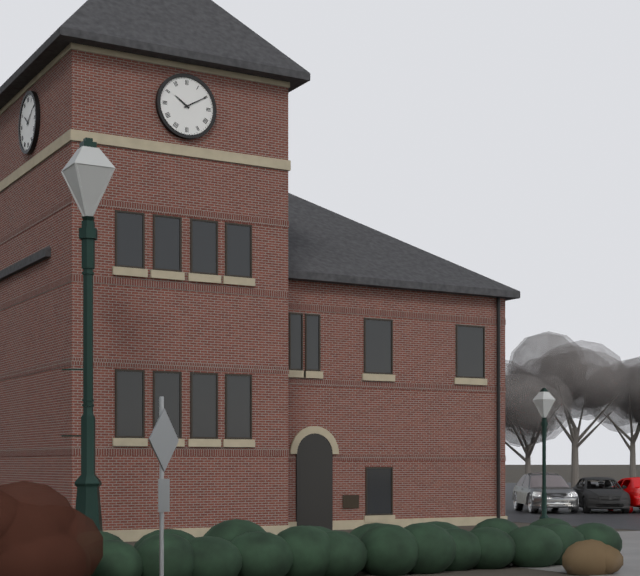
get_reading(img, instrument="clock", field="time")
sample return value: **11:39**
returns **10:10**
